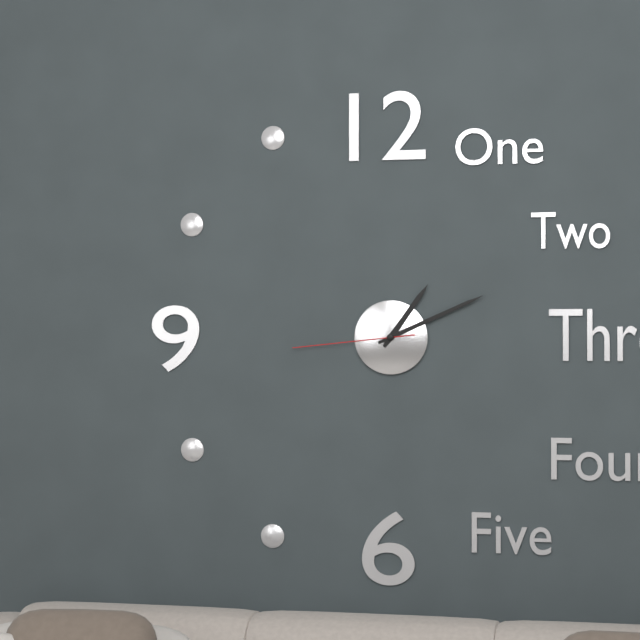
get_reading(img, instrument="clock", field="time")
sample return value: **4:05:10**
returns **1:11:44**
